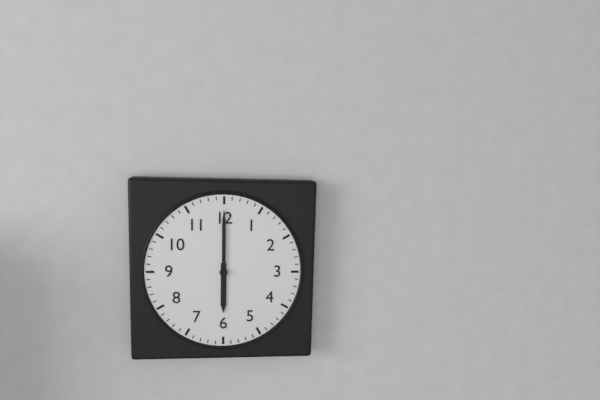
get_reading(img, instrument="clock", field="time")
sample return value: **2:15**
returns **6:00**
